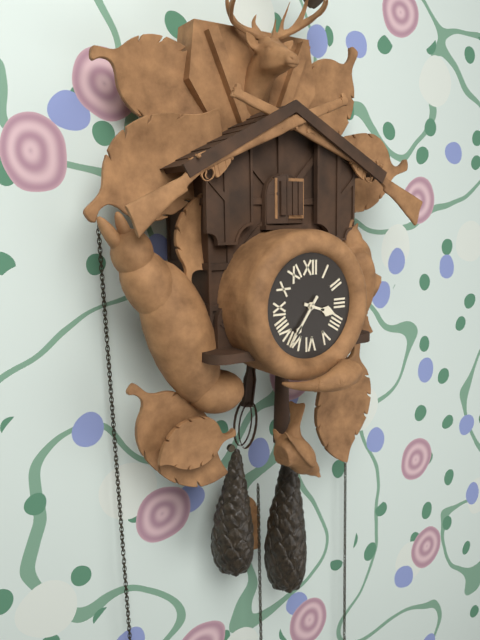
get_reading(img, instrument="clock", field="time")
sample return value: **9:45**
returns **3:36**
